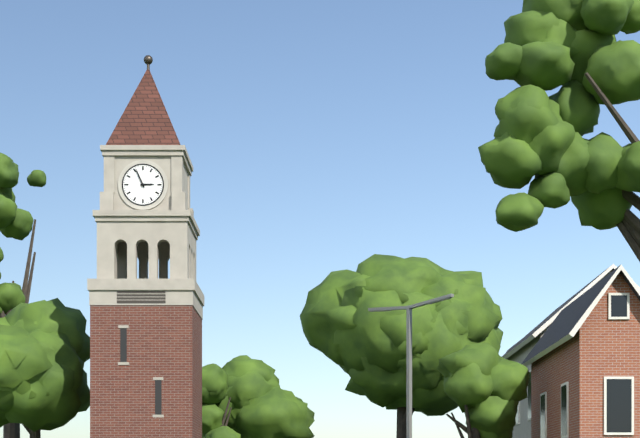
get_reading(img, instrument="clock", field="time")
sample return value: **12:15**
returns **2:56**
